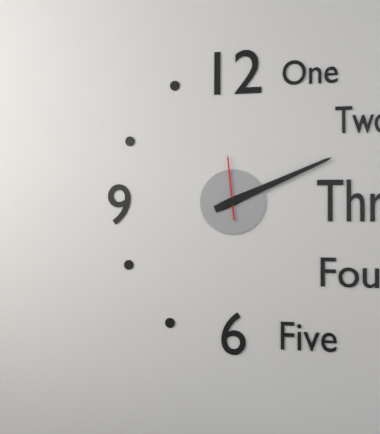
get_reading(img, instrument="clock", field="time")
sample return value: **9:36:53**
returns **2:11:59**
